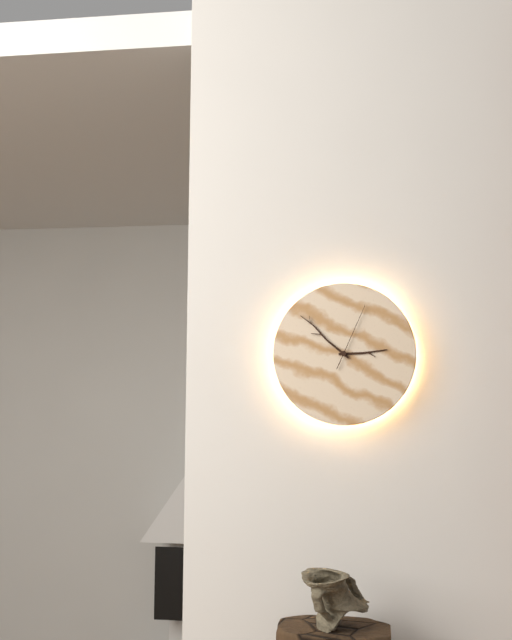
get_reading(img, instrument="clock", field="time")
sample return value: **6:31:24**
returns **2:52:04**
